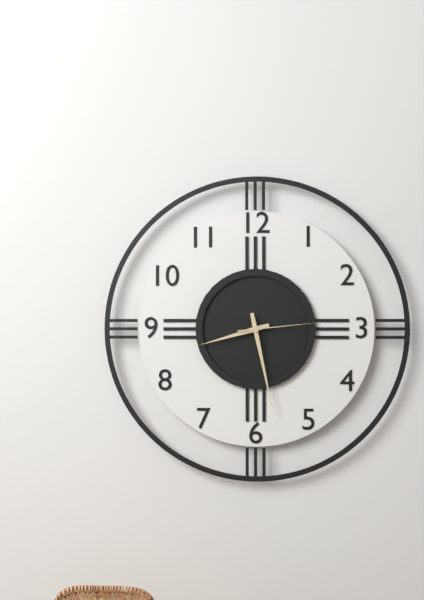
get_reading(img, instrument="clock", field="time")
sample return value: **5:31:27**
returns **8:28:14**
